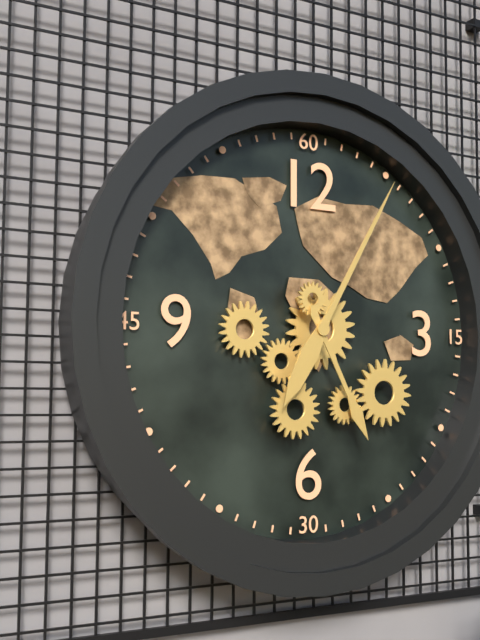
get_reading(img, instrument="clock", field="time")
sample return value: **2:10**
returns **5:05**
